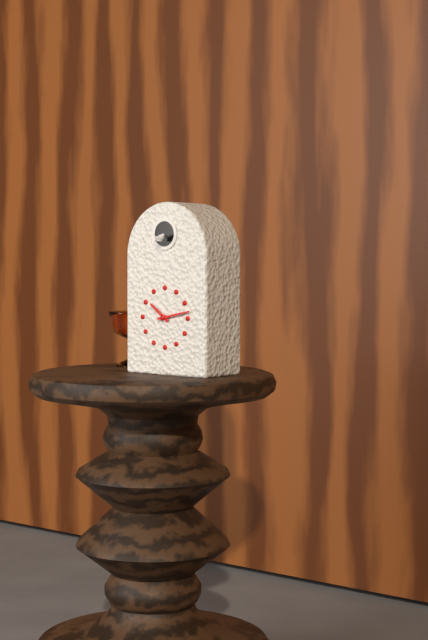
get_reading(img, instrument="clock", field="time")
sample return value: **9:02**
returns **10:13**
